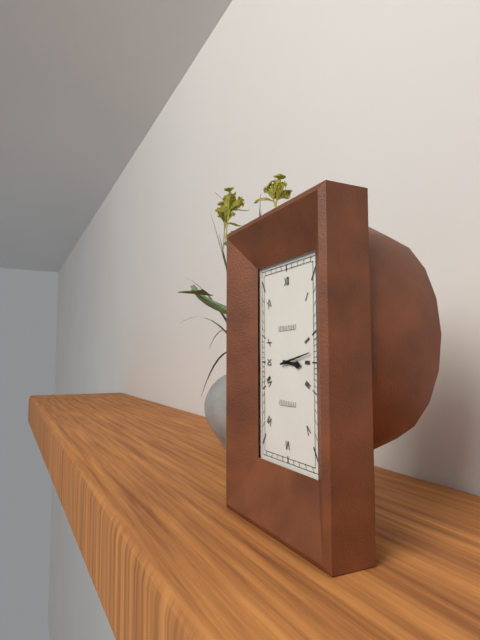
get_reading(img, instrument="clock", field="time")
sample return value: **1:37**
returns **3:13**
